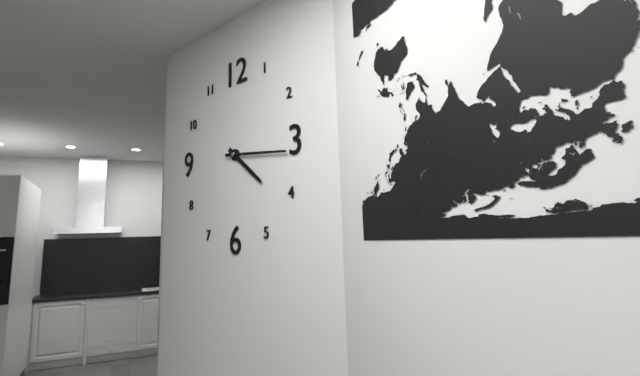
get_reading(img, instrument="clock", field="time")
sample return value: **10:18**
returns **4:16**
